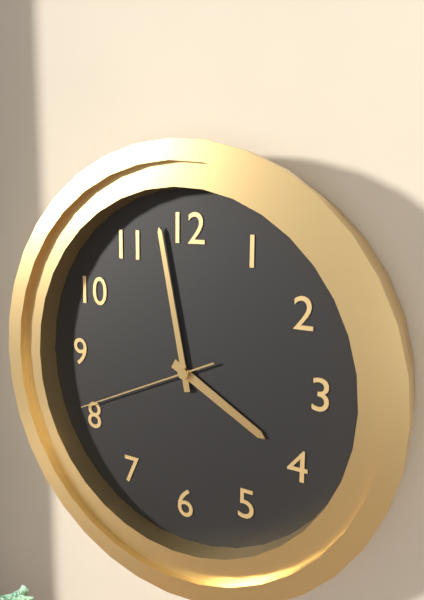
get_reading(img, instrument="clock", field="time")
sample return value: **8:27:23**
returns **3:58:41**
